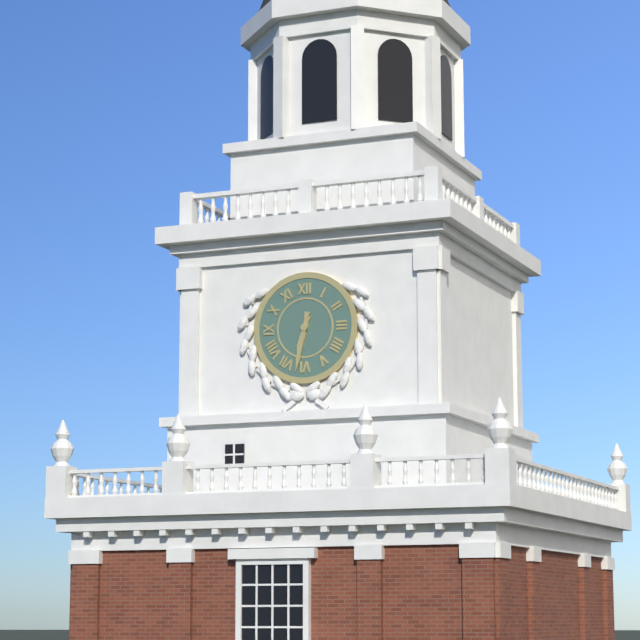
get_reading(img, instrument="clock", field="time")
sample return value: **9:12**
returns **6:32**
